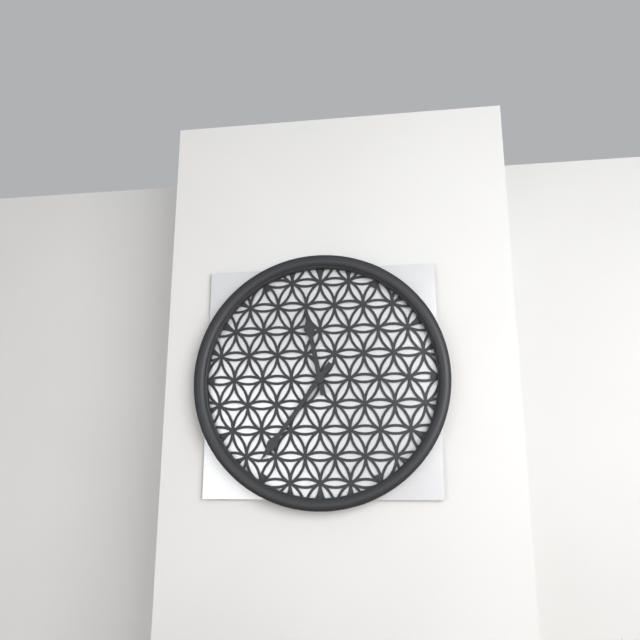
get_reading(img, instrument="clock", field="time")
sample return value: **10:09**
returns **11:36**
